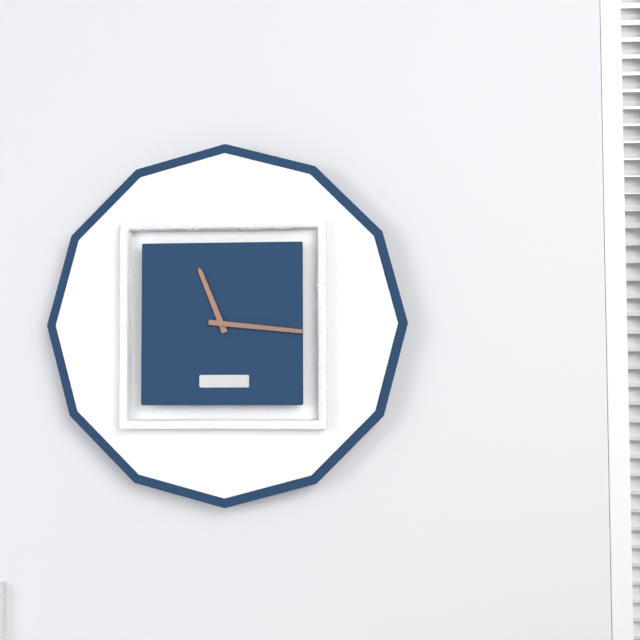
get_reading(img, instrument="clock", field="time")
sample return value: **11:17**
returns **11:16**
